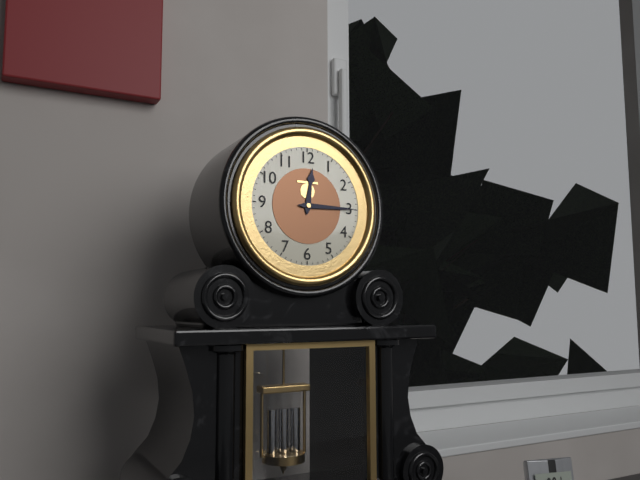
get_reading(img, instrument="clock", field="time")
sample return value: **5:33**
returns **12:15**
